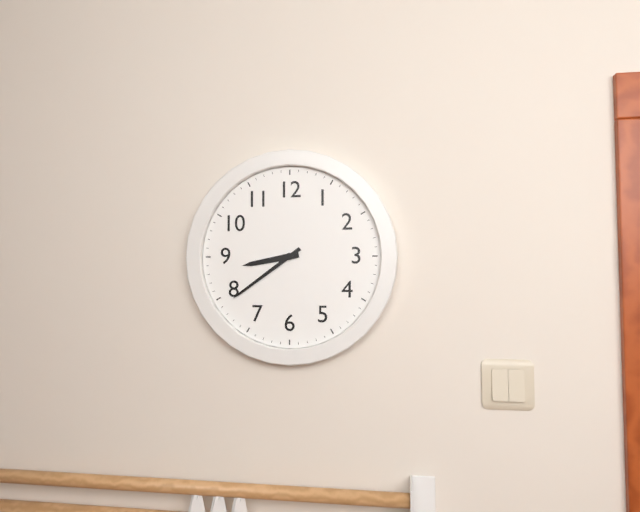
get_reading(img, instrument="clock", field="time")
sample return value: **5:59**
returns **8:39**
